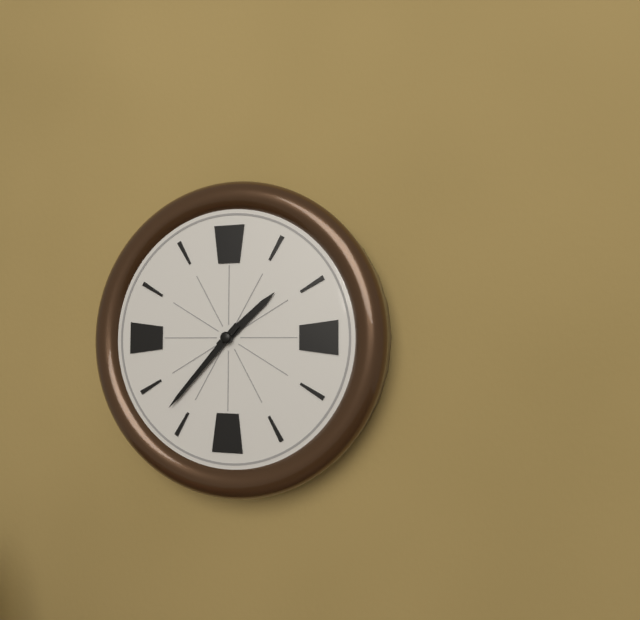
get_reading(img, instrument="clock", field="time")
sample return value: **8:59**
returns **1:37**
